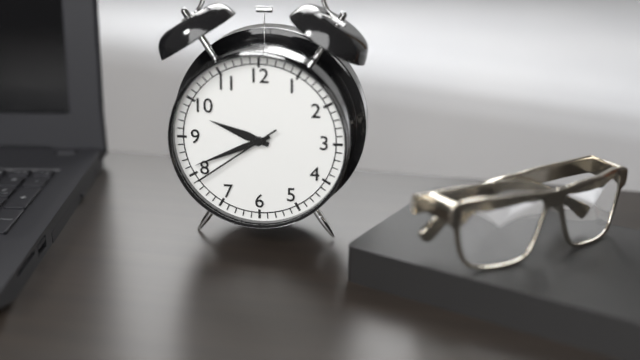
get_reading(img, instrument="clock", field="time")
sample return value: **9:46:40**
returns **9:41:39**
